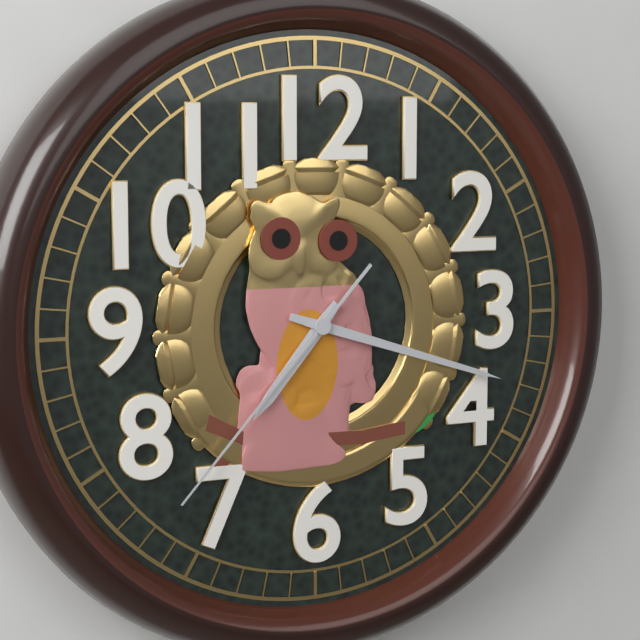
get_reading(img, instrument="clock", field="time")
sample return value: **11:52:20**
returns **7:18:37**
